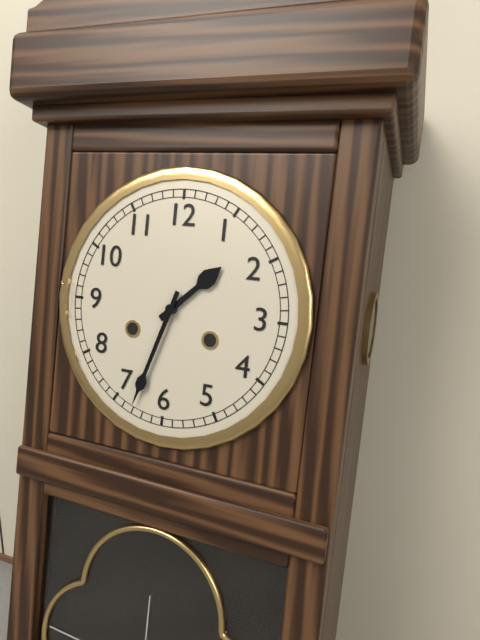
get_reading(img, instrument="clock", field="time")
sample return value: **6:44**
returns **1:33**
